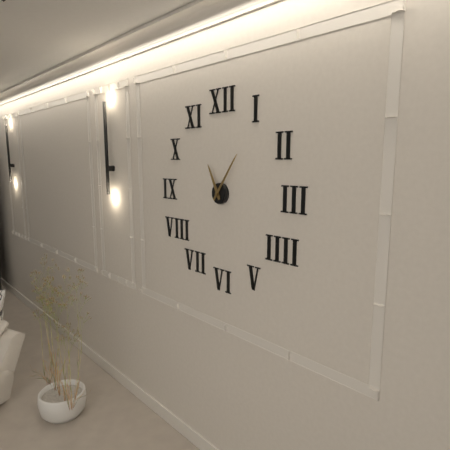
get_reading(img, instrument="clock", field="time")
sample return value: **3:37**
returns **11:06**
